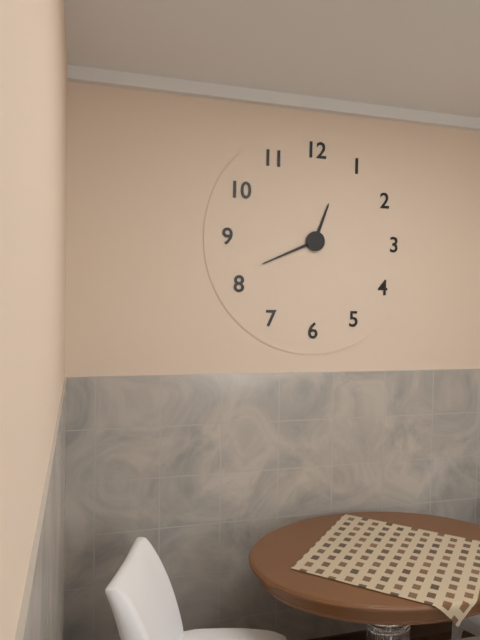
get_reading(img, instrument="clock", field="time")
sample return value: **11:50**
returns **12:41**
